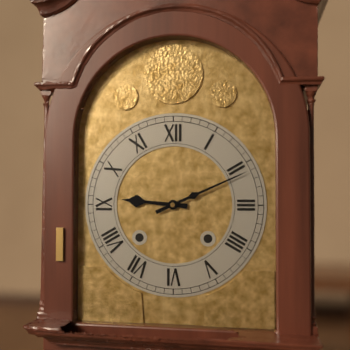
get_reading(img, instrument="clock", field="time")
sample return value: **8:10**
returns **9:11**
